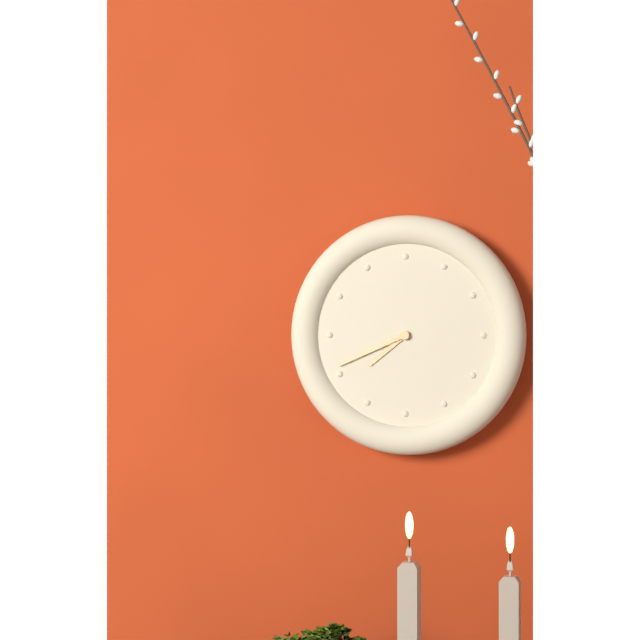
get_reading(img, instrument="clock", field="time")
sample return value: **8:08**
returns **7:41**
